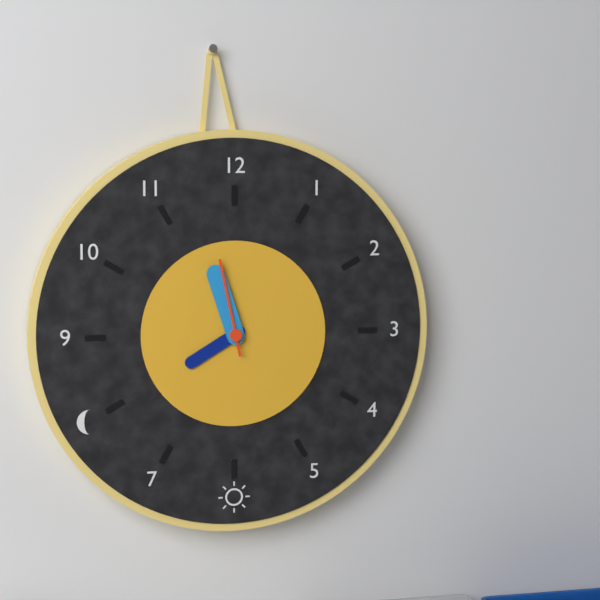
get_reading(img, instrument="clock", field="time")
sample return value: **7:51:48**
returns **7:57:58**
